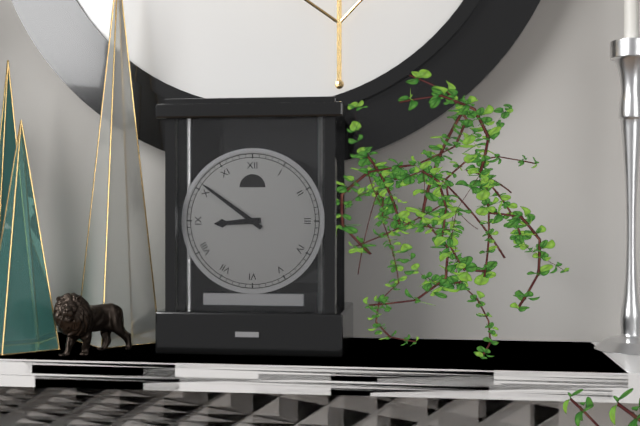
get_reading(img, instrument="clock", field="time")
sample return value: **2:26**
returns **8:51**
